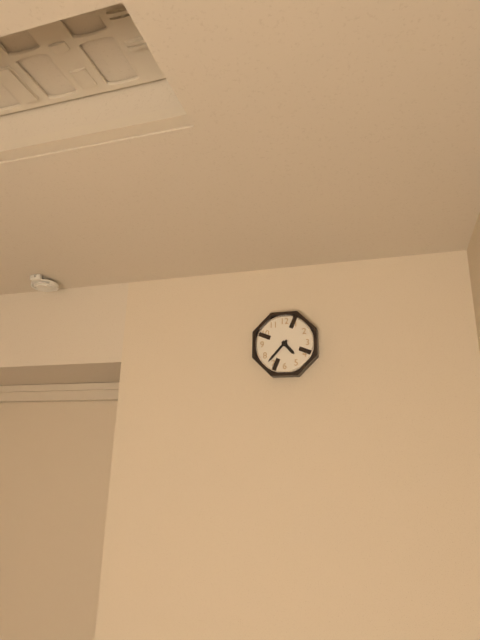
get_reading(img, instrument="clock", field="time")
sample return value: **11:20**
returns **4:37**
